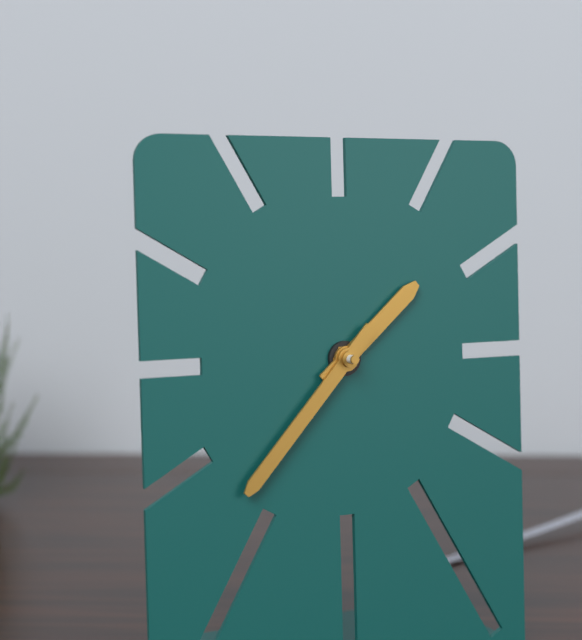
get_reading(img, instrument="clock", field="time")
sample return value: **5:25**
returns **1:37**
